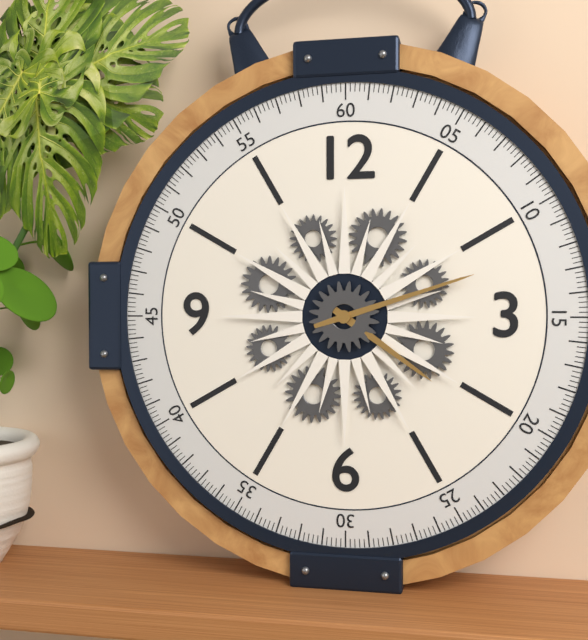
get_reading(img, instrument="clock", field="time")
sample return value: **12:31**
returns **4:12**
